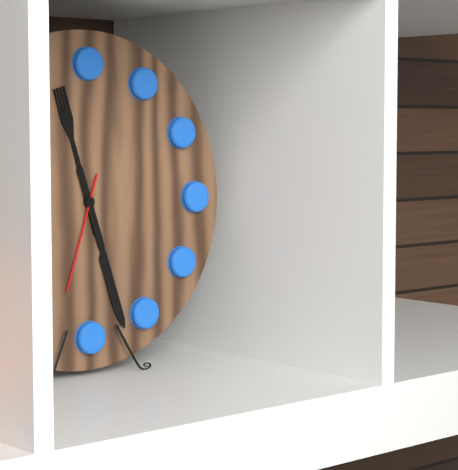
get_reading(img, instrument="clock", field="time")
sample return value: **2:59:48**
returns **11:27:33**
